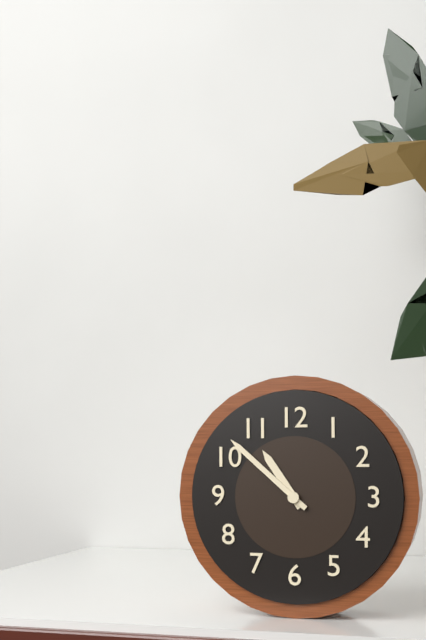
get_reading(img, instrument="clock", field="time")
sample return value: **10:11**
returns **10:52**
